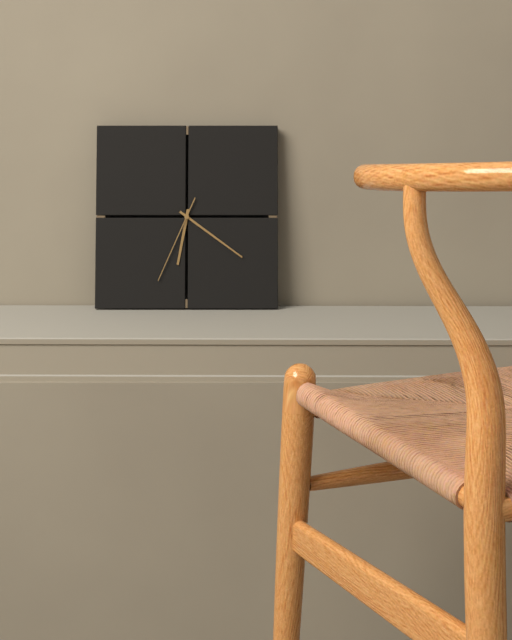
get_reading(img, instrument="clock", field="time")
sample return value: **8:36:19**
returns **6:21:34**
